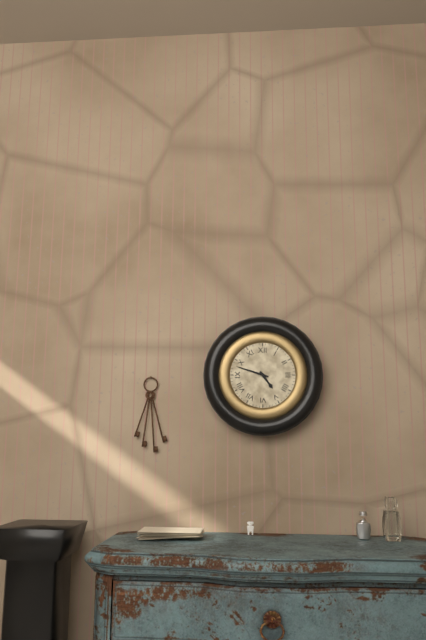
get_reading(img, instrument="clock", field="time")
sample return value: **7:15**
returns **4:48**
